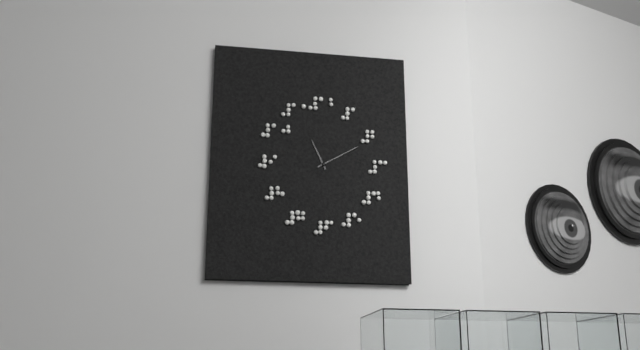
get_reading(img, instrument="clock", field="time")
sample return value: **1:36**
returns **11:10**
